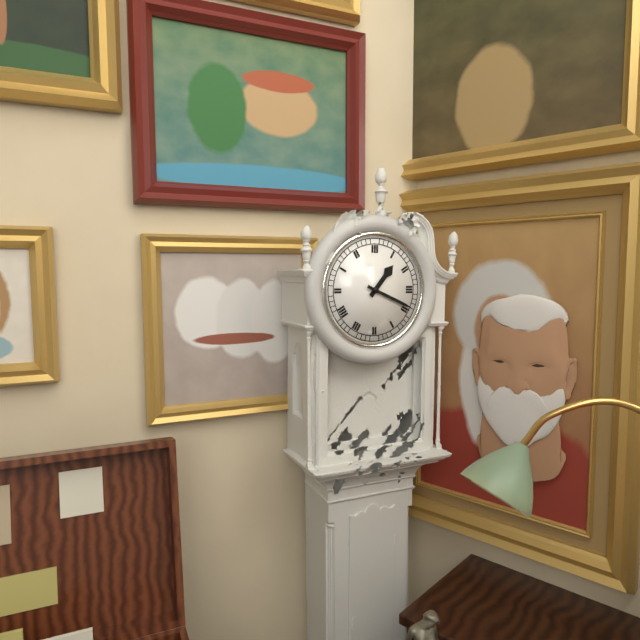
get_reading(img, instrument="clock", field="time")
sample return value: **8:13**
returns **1:19**
